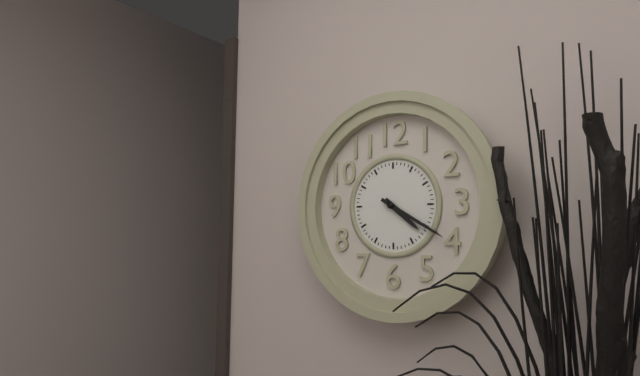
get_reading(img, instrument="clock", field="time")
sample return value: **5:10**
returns **4:20**
